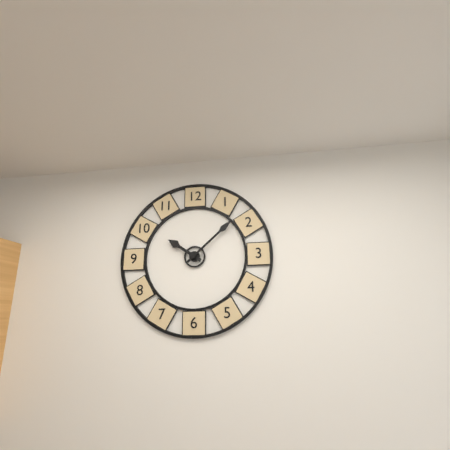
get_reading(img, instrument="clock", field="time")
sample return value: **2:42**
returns **10:08**
